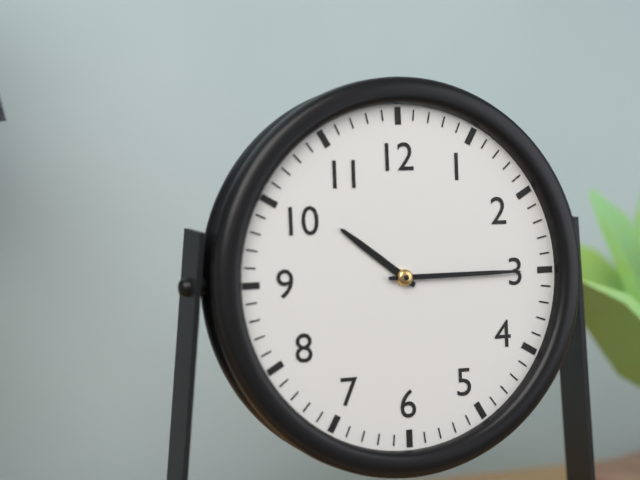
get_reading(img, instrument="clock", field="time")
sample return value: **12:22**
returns **10:15**
